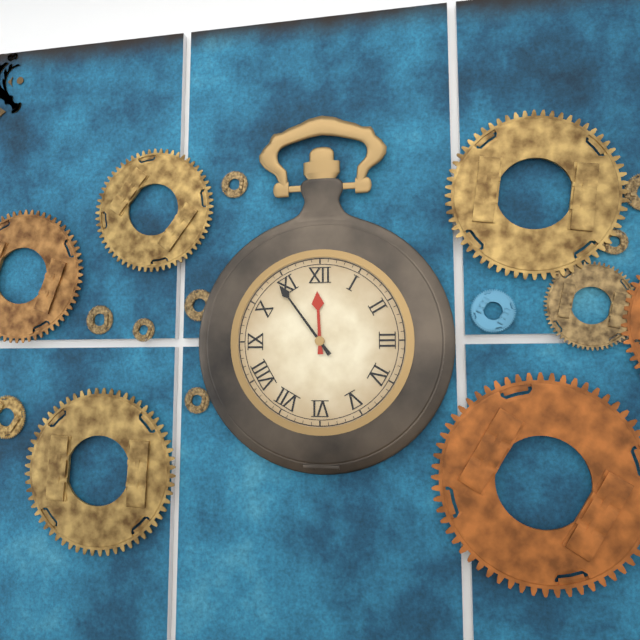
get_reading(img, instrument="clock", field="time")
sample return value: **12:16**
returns **11:54**
